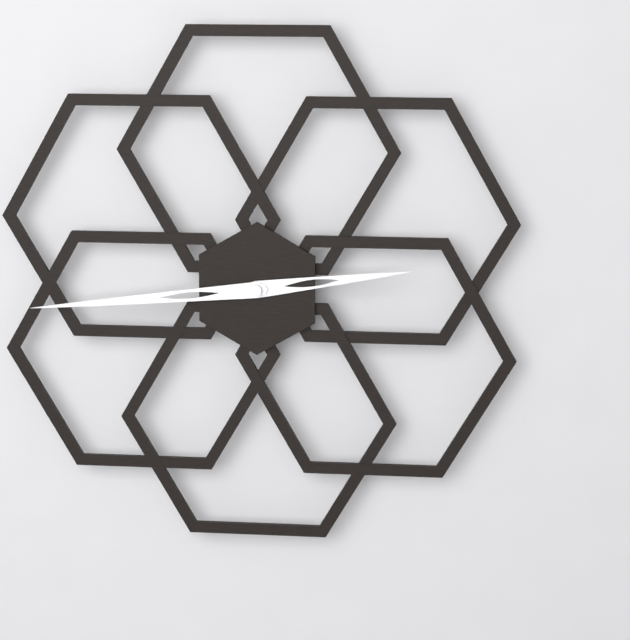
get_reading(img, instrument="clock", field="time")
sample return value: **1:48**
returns **2:44**
